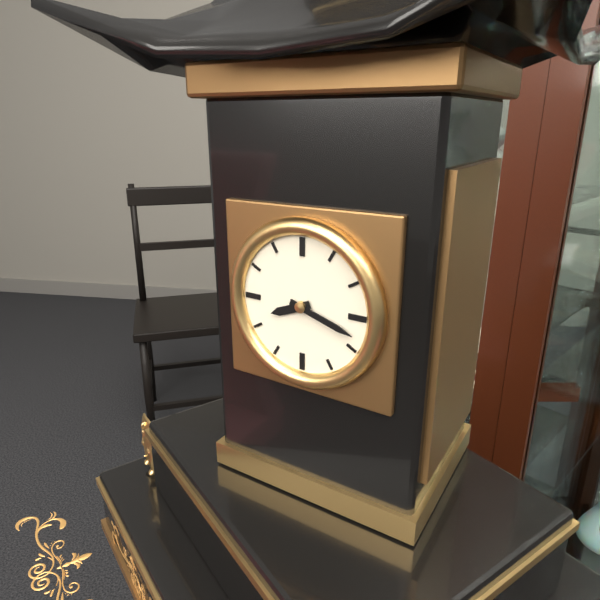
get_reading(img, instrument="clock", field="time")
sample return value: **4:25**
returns **8:18**
